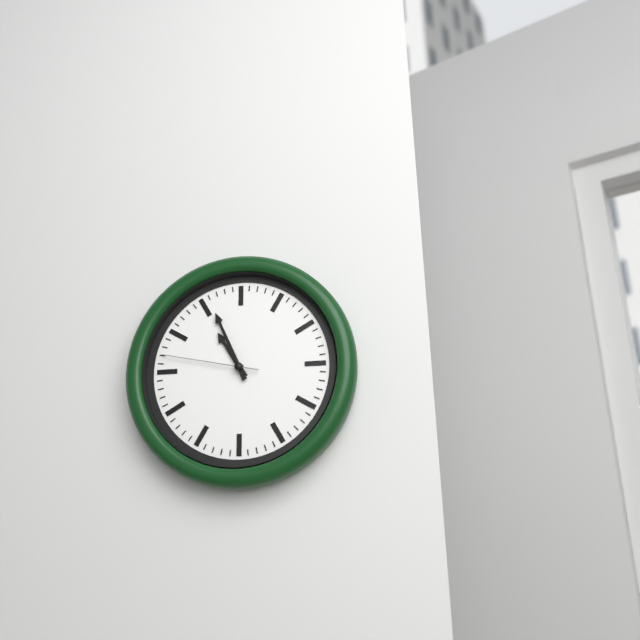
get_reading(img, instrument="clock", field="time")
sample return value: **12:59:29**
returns **10:56:47**
